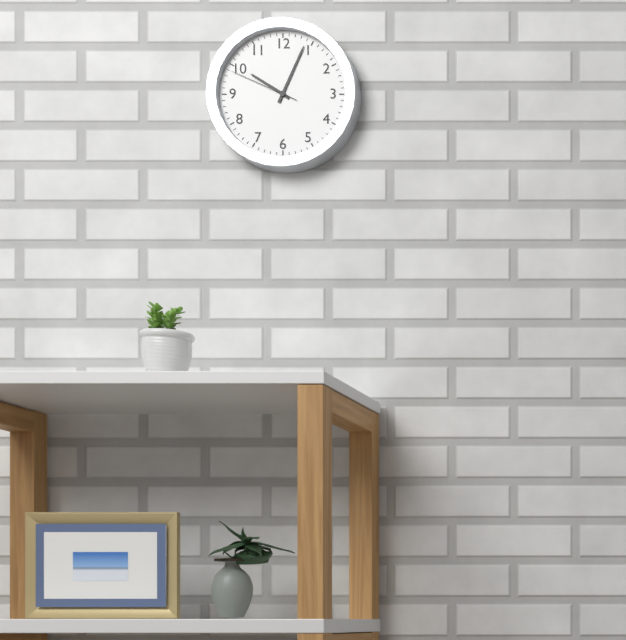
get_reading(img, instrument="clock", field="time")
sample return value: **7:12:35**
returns **10:04:49**
